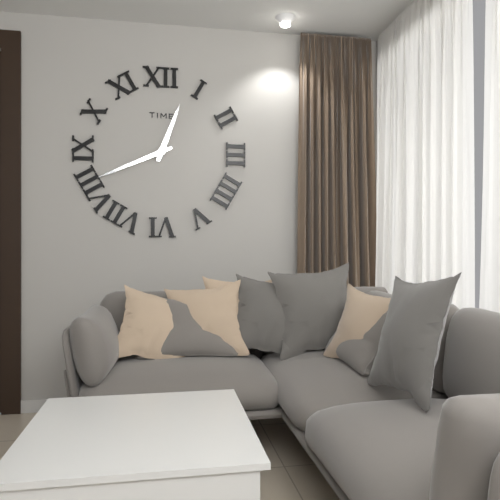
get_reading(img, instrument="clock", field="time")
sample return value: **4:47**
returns **12:41**
